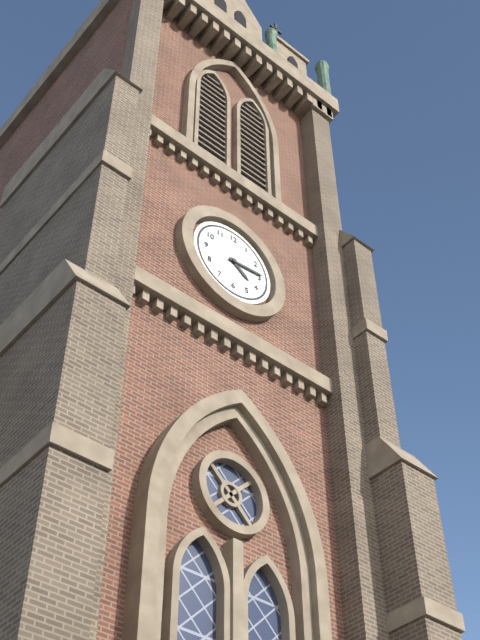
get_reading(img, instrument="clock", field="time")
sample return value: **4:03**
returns **4:14**
